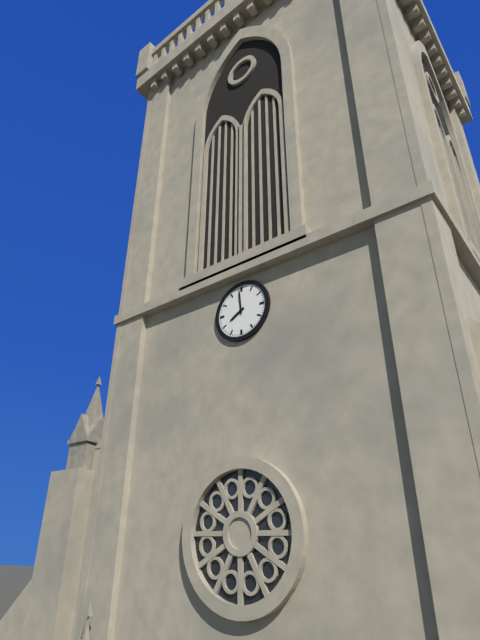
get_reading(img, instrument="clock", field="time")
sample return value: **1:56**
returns **7:59**
